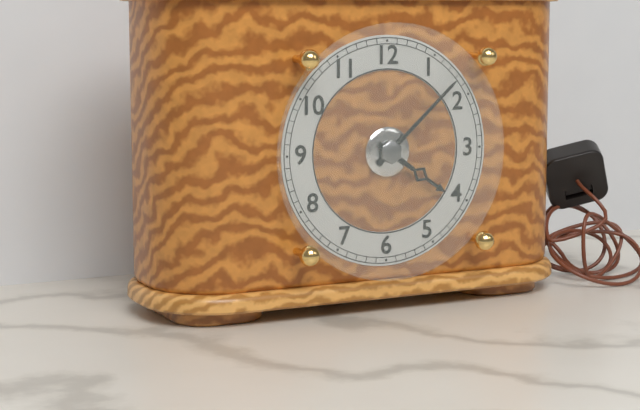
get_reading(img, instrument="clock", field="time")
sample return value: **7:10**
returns **4:08**
